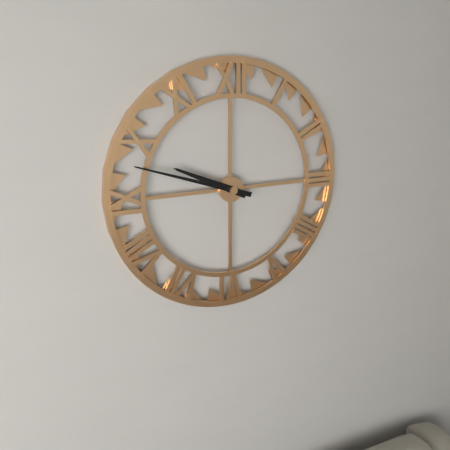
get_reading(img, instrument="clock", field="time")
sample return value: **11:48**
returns **9:48**
